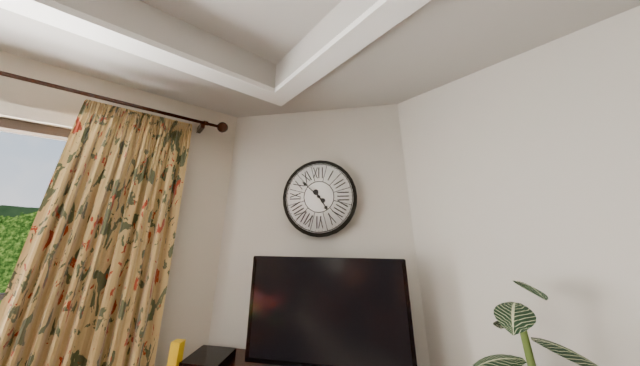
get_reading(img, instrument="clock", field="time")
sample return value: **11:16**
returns **4:52**
